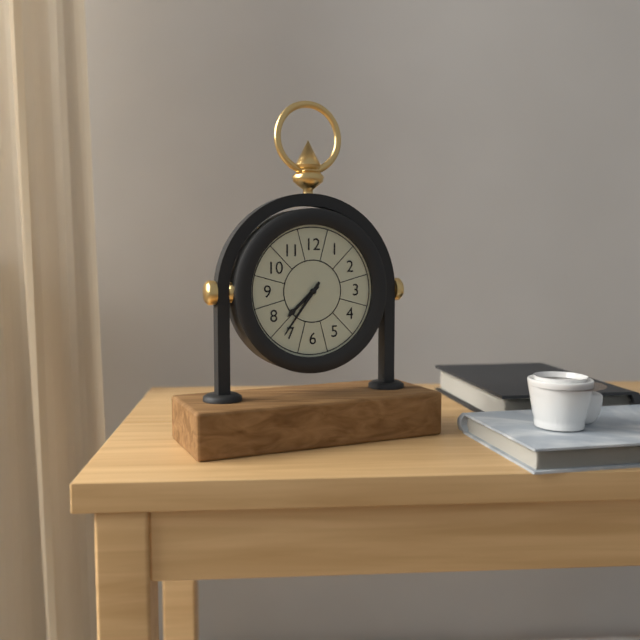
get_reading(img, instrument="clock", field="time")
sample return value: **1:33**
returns **7:36**
